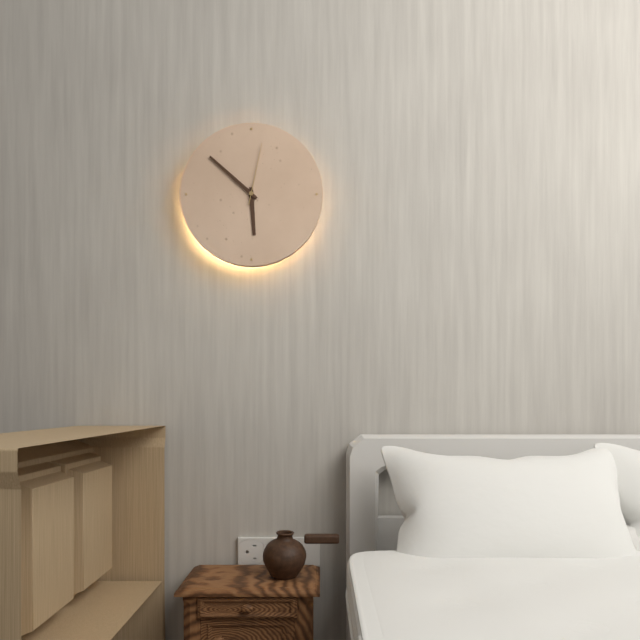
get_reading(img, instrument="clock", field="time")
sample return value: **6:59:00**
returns **5:52:02**
